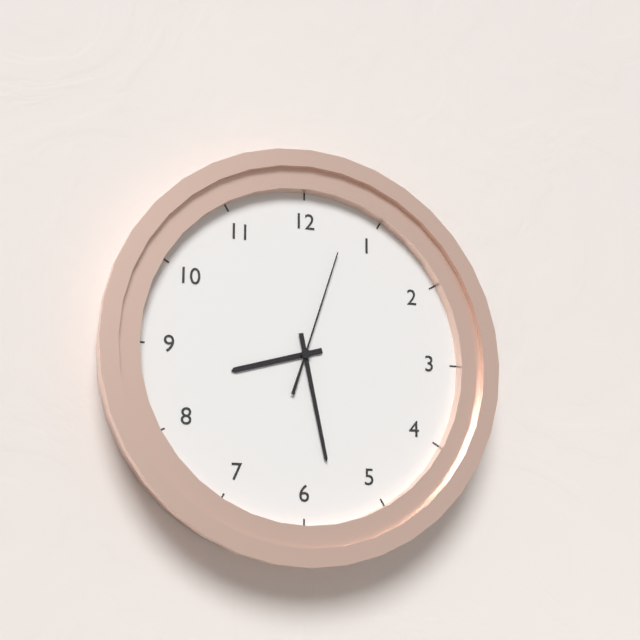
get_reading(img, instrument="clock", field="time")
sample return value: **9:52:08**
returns **8:28:03**
